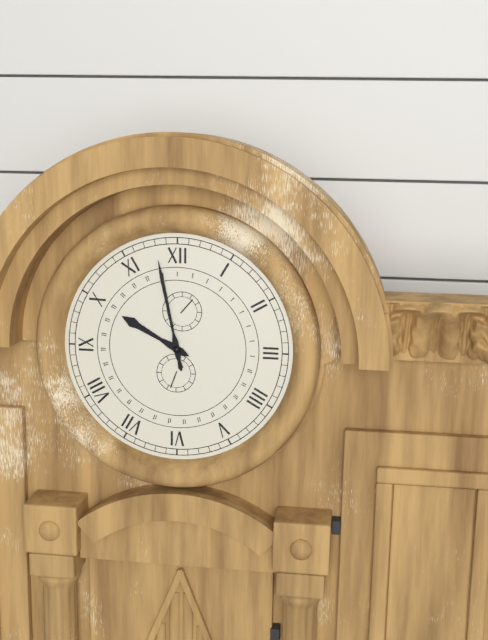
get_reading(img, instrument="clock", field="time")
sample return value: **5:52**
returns **9:58**
